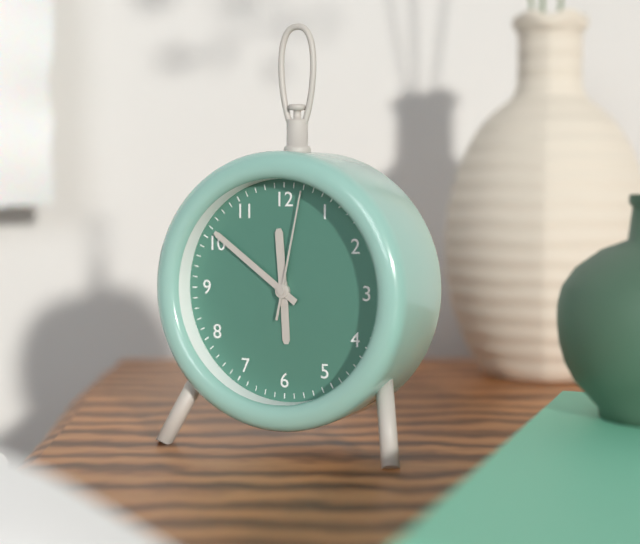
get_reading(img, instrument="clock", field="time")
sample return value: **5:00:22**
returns **11:51:02**
